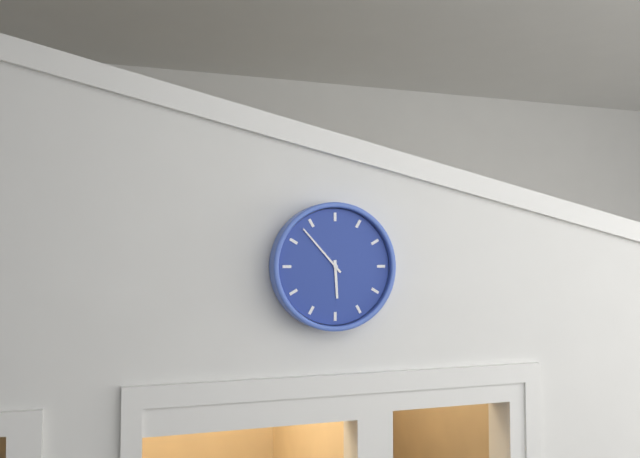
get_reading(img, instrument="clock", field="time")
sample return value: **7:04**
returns **5:53**
